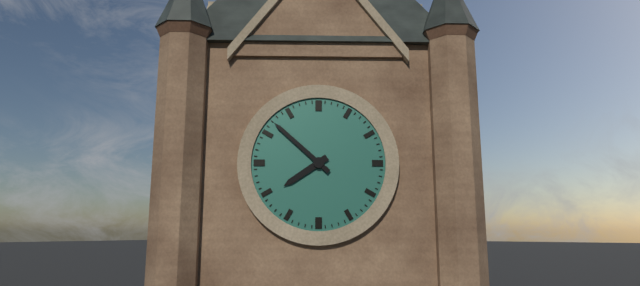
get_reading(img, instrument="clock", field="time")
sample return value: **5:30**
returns **7:52**
